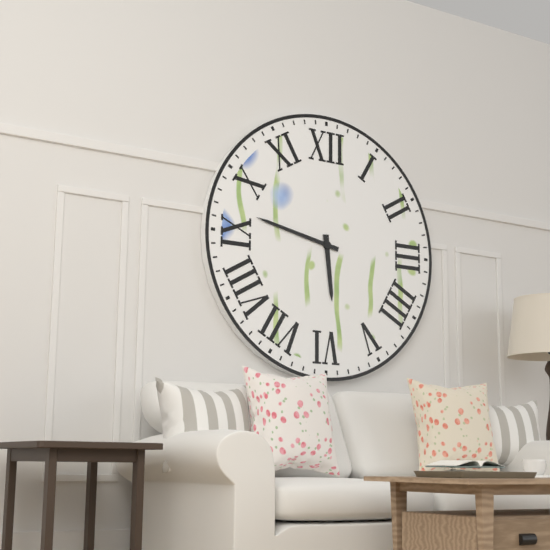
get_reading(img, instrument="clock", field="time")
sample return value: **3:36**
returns **5:47**
